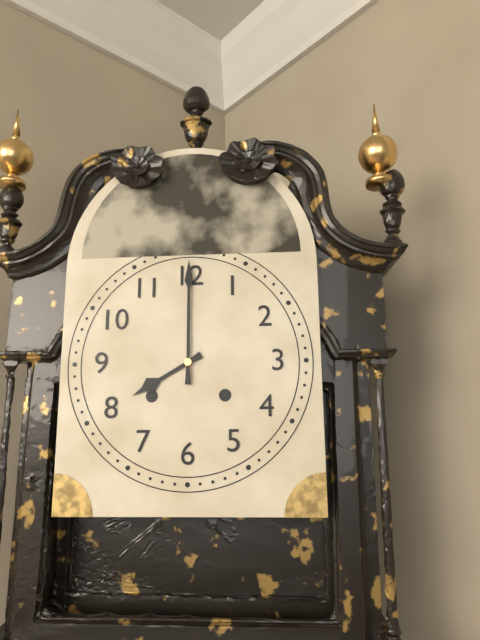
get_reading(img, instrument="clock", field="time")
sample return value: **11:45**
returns **8:00**
